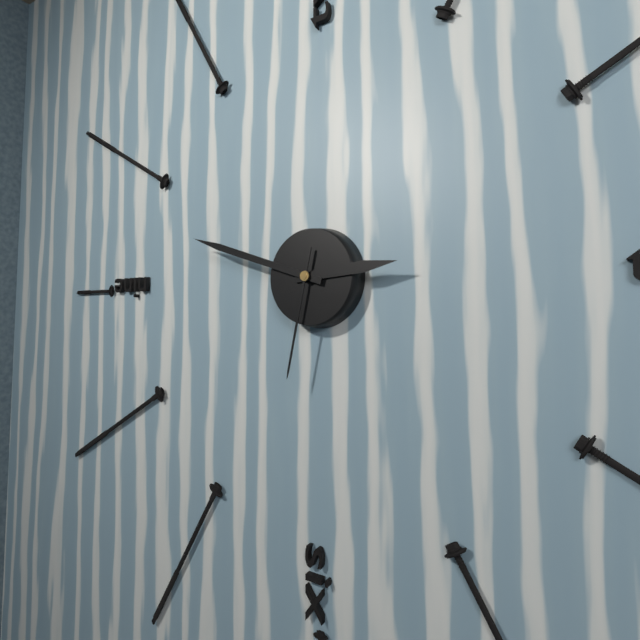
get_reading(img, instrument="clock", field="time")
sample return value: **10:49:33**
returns **2:48:32**
